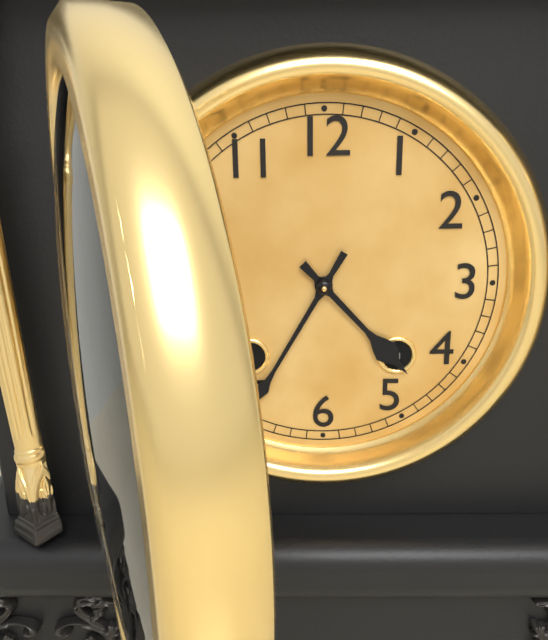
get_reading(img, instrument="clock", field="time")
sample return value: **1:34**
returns **4:35**
